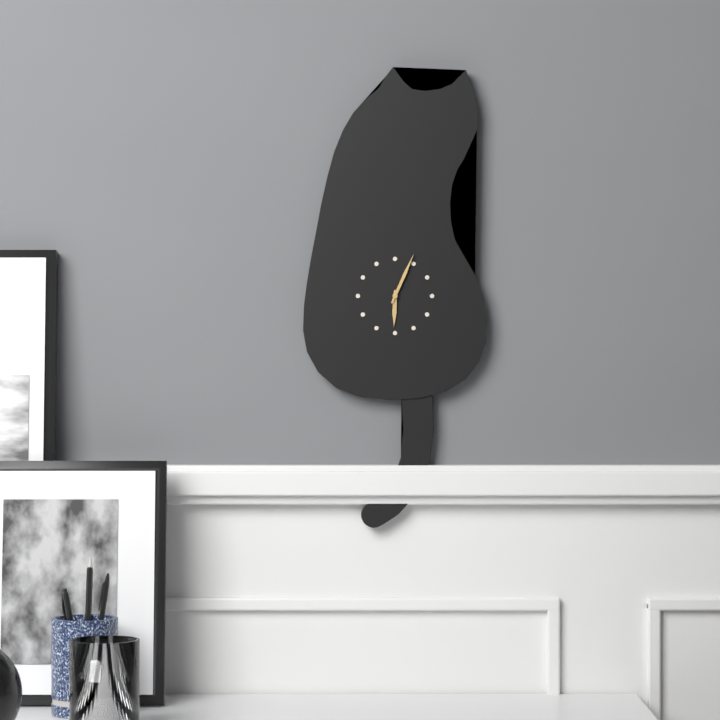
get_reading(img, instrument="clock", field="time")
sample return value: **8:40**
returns **6:04**
